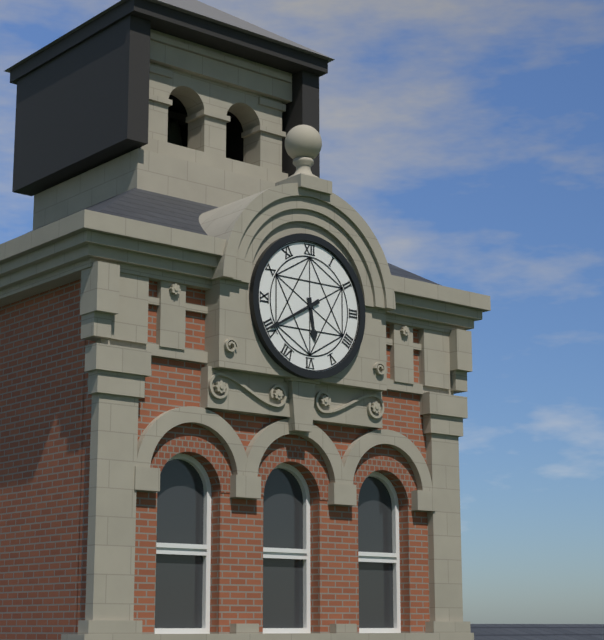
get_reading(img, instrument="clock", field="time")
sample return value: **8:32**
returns **5:40**
